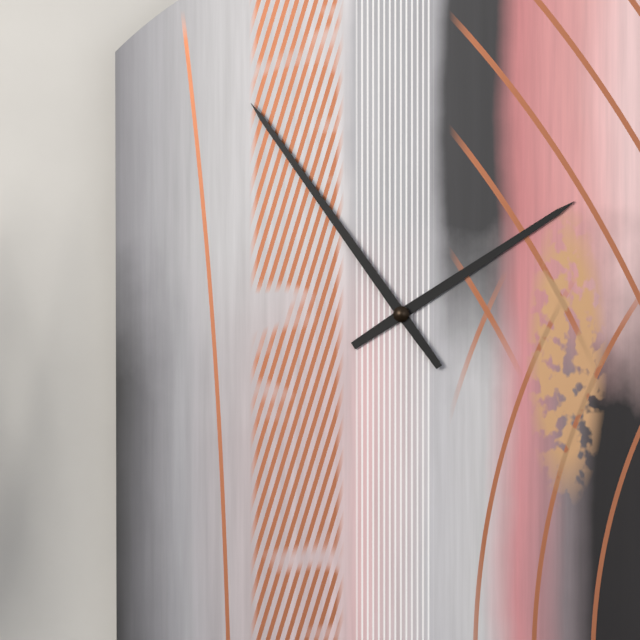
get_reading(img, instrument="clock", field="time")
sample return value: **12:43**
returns **1:54**
